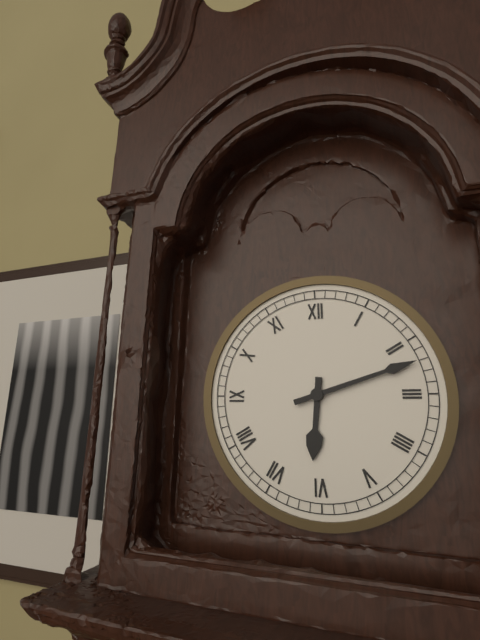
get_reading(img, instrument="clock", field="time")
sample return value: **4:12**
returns **6:12**
